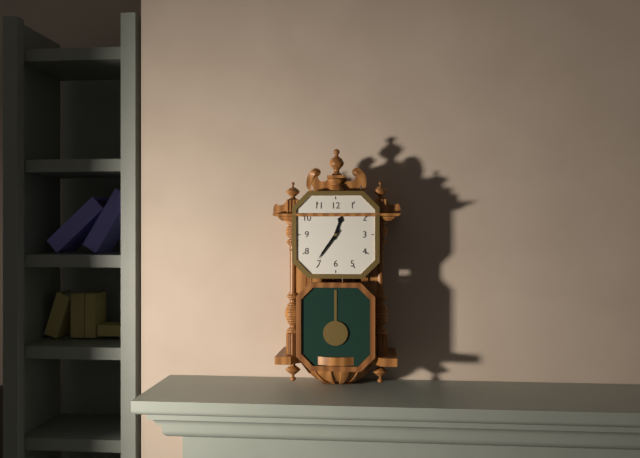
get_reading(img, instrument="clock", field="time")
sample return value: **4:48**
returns **12:36**
